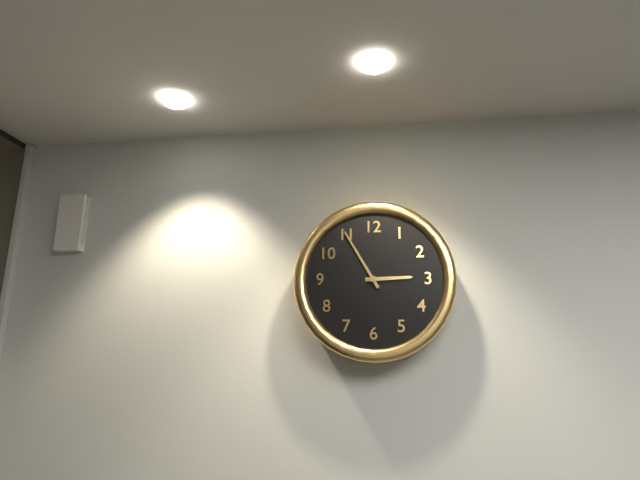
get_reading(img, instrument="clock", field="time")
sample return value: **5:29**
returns **2:55**
